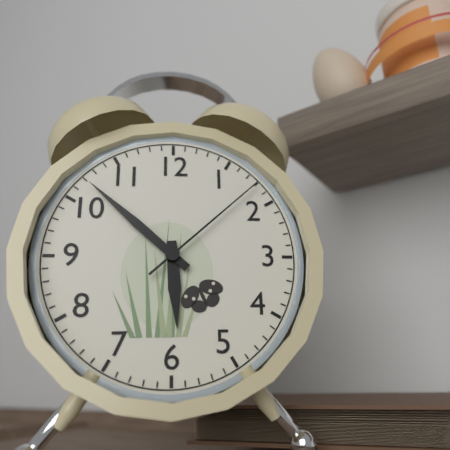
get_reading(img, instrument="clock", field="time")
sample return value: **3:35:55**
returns **5:52:08**
